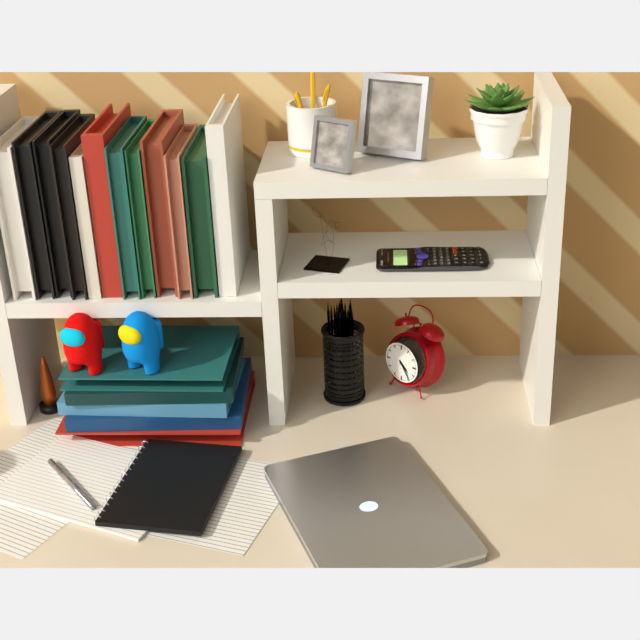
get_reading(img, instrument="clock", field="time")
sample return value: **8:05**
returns **4:24**
